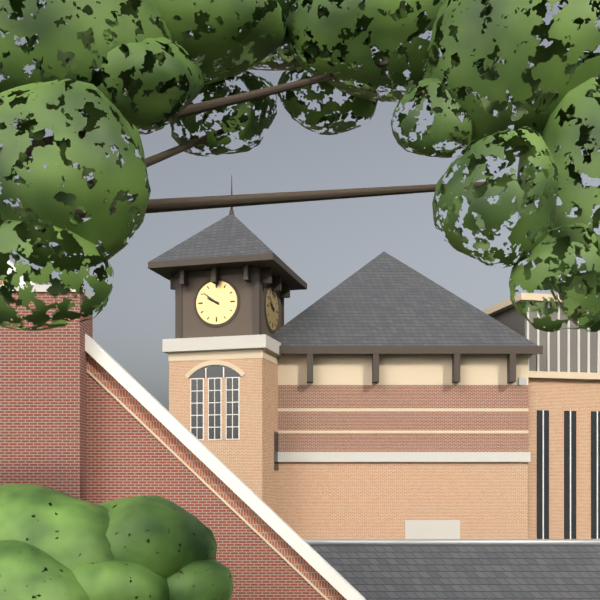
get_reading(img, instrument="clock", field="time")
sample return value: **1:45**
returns **9:51**
